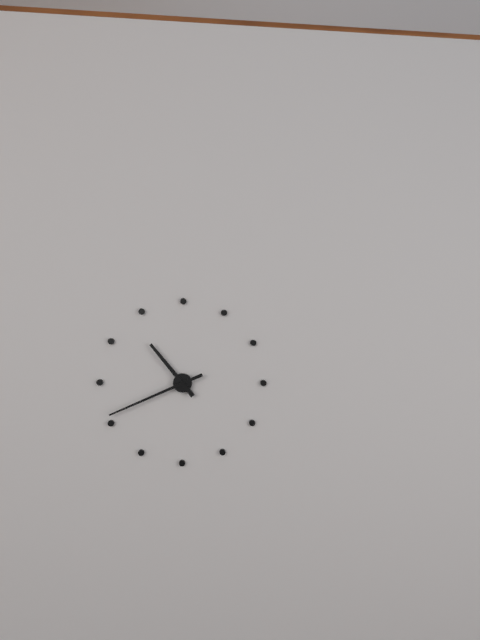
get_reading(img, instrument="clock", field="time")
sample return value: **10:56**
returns **10:41**
